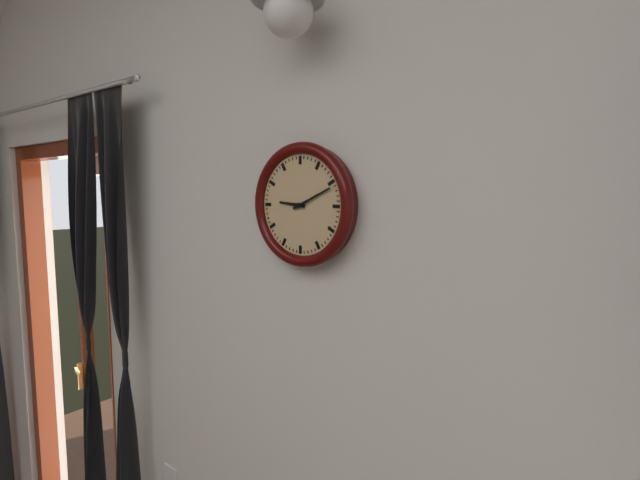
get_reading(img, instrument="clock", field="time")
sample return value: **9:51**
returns **9:11**
